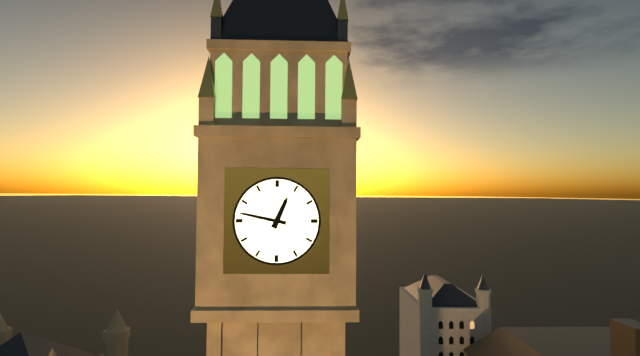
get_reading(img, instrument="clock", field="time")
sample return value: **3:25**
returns **12:47**
